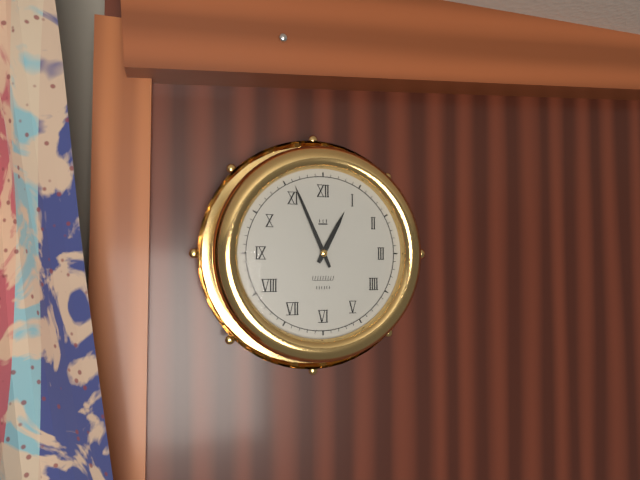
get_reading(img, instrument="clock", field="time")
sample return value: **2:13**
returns **12:56**
